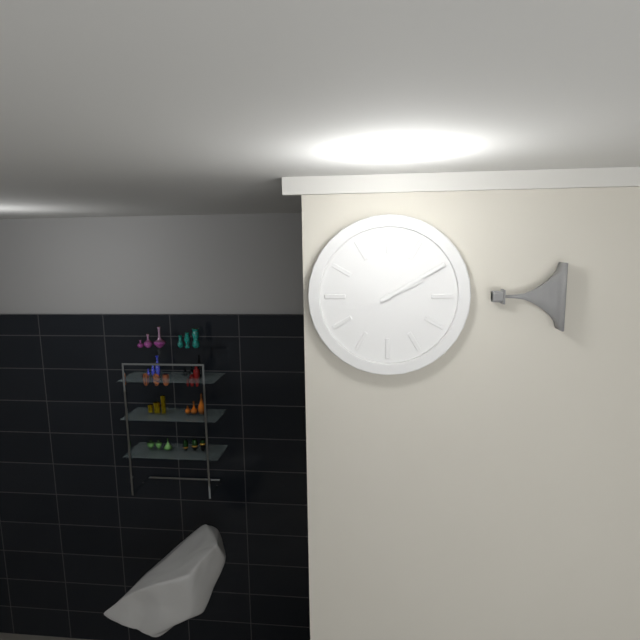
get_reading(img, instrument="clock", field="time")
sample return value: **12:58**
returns **2:10**
